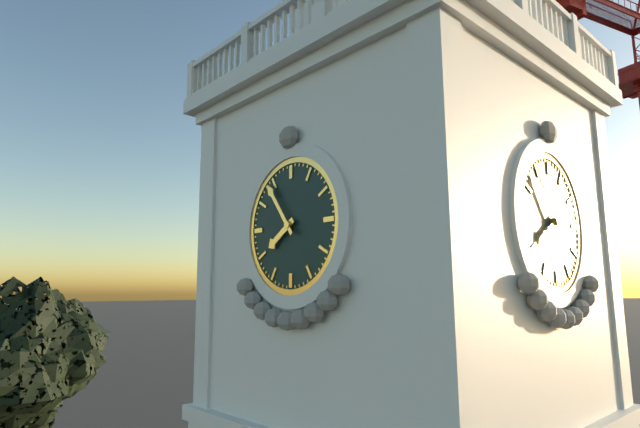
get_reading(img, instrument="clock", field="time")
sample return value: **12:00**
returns **7:54**
